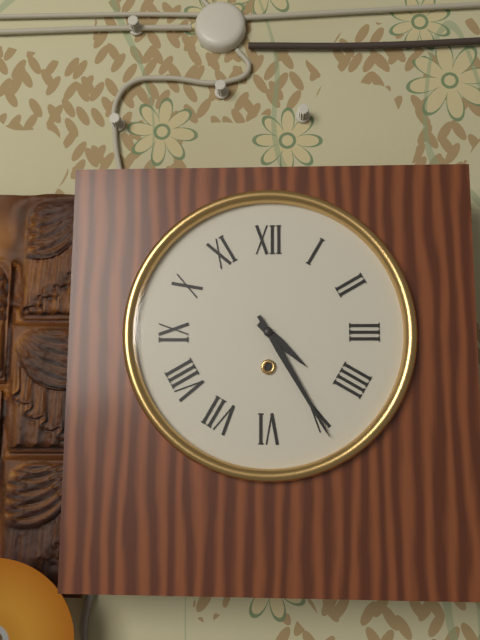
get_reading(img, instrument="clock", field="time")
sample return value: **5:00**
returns **4:25**
